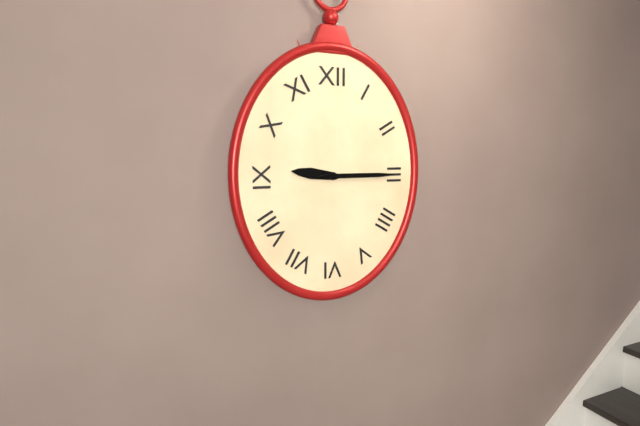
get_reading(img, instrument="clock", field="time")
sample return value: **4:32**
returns **9:15**
